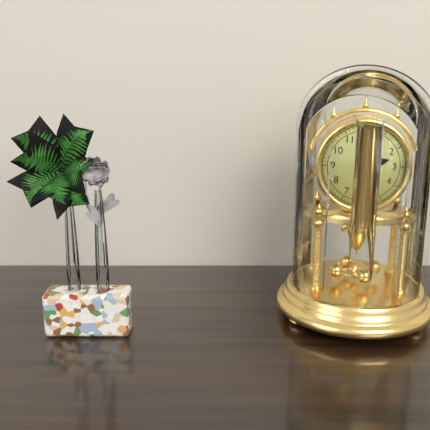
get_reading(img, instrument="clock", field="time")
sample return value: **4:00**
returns **2:26**
